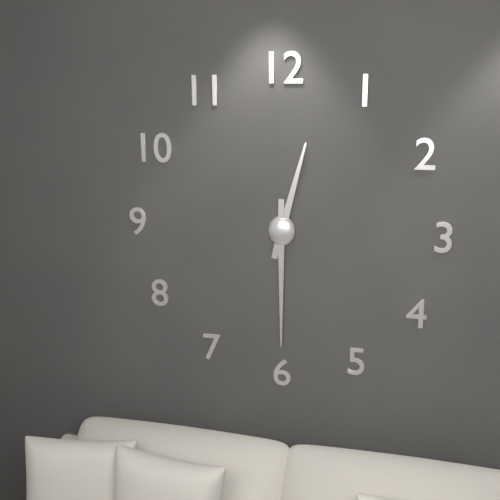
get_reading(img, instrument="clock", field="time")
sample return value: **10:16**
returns **12:30**
